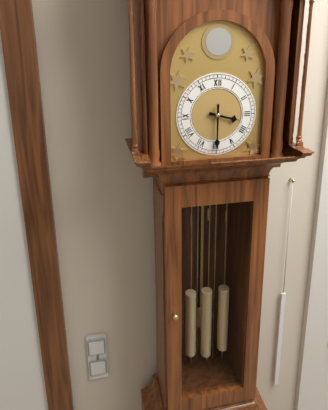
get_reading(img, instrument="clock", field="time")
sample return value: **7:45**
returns **3:30**
